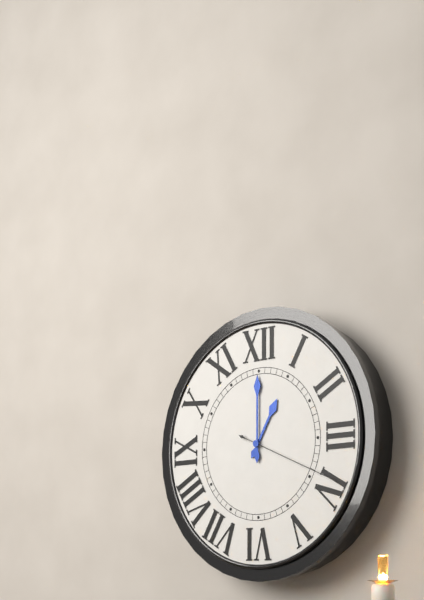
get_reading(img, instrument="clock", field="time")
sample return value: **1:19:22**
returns **1:00:19**
